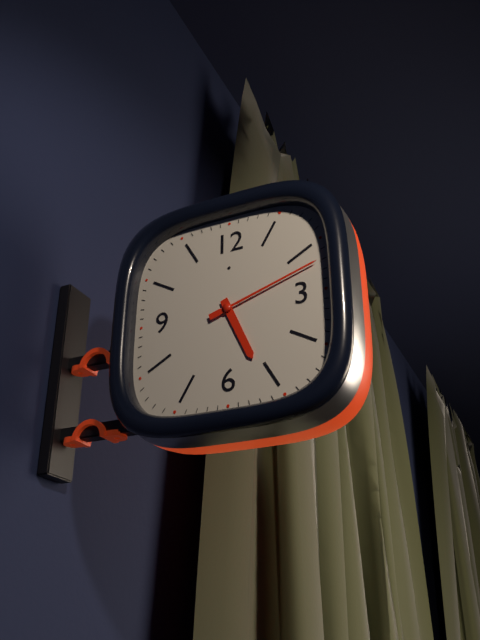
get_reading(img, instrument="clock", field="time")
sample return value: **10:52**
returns **5:12**
